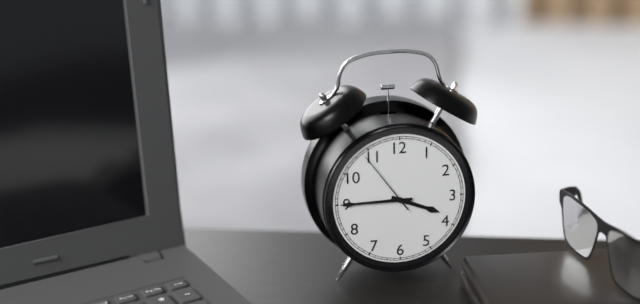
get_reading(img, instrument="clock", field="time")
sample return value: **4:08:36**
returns **3:45:54**
